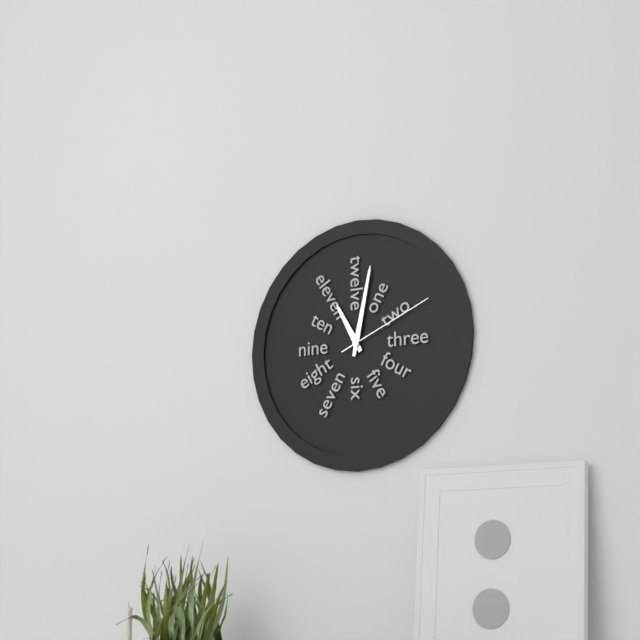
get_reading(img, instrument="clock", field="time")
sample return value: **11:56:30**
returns **11:02:11**
